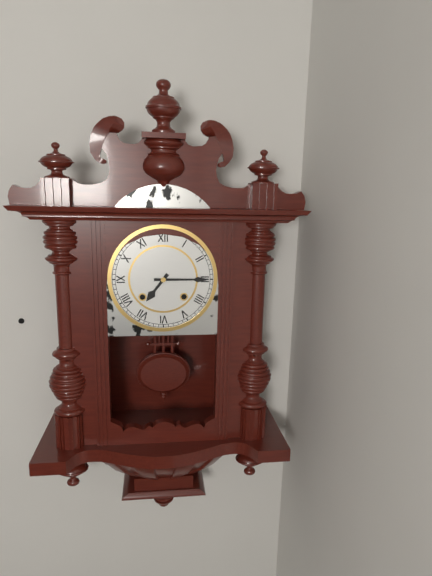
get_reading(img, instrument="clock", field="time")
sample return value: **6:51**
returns **7:15**
